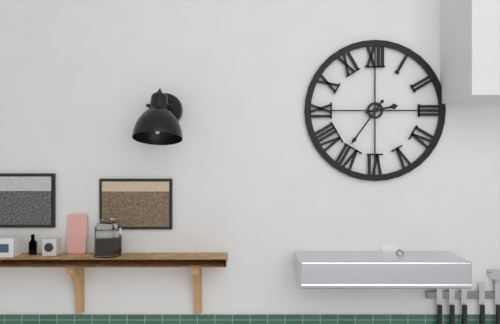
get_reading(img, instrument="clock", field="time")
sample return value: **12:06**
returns **2:36**
